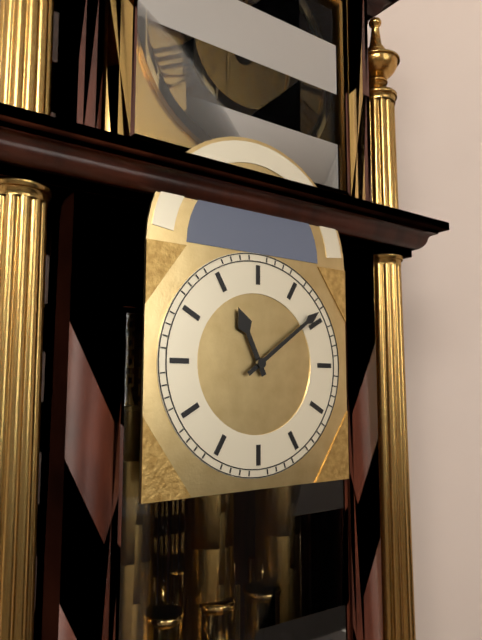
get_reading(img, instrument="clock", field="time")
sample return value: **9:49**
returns **11:09**
